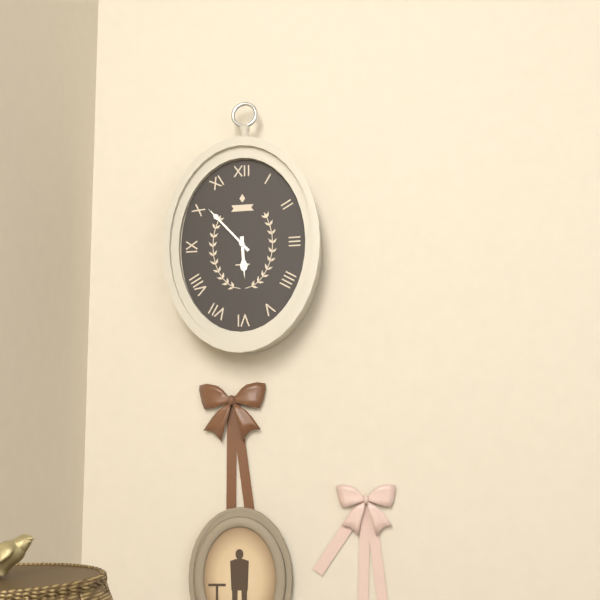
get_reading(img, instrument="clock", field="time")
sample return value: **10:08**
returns **5:53**
